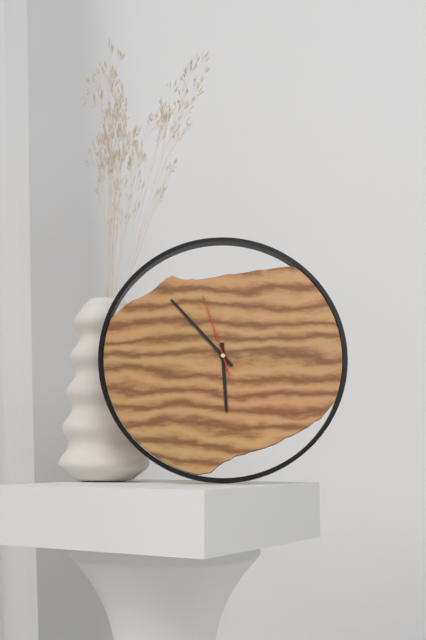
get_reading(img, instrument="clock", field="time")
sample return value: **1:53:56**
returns **5:53:57**
